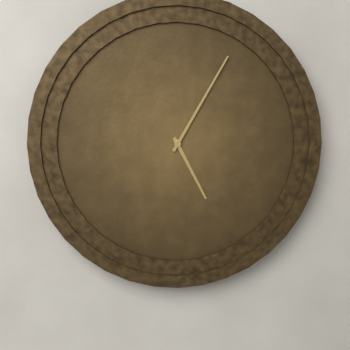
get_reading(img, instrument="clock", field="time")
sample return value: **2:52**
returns **5:05**
